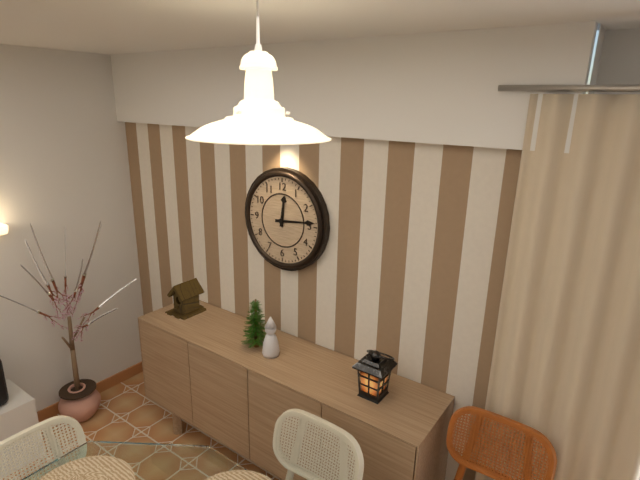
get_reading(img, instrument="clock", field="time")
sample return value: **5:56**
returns **12:14**
